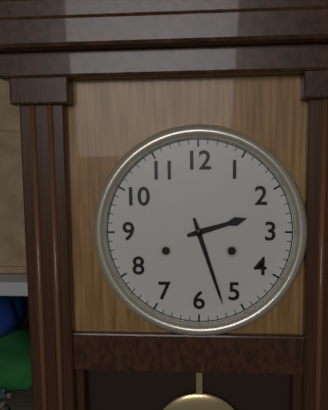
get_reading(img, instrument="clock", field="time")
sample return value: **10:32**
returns **2:27**
